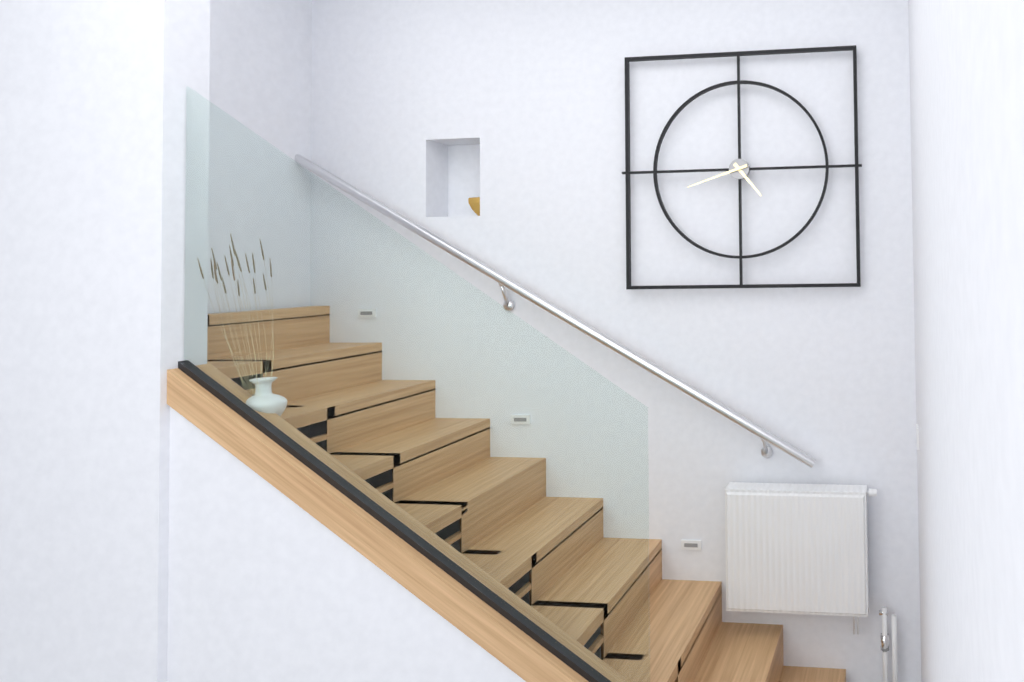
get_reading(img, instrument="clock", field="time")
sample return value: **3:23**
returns **4:42**
